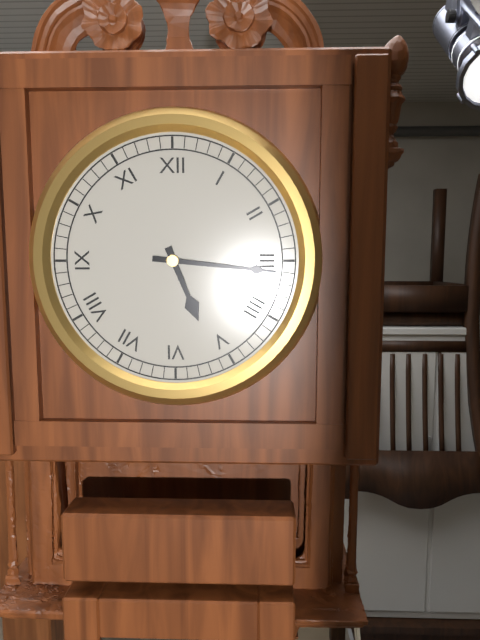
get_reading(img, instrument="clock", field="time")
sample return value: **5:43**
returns **5:16**
